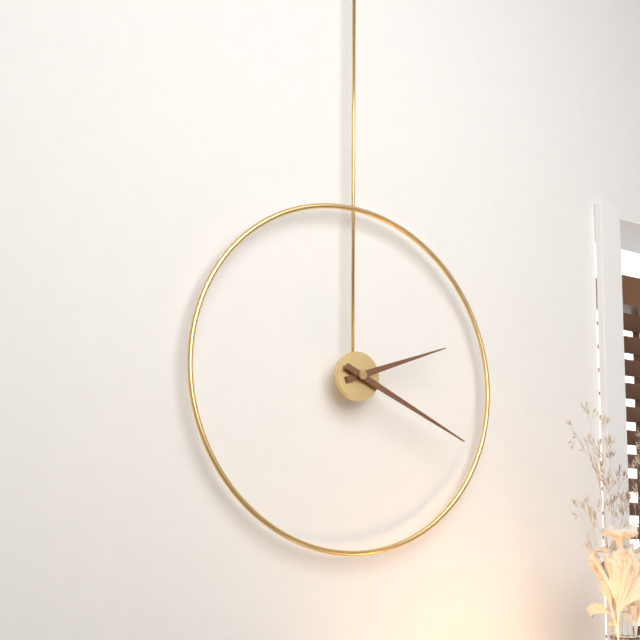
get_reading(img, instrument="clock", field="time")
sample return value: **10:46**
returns **2:19**
